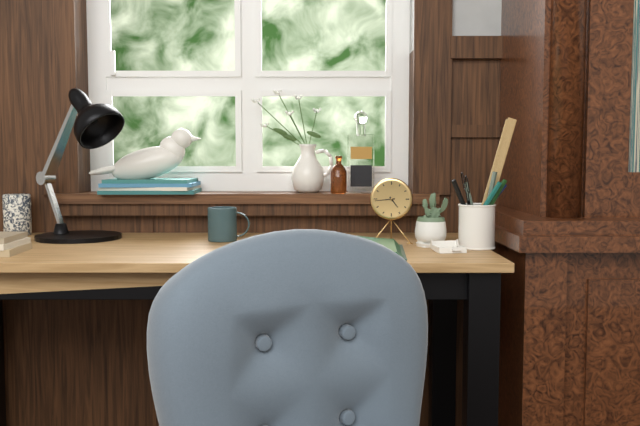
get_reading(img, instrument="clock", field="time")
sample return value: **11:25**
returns **4:44**
